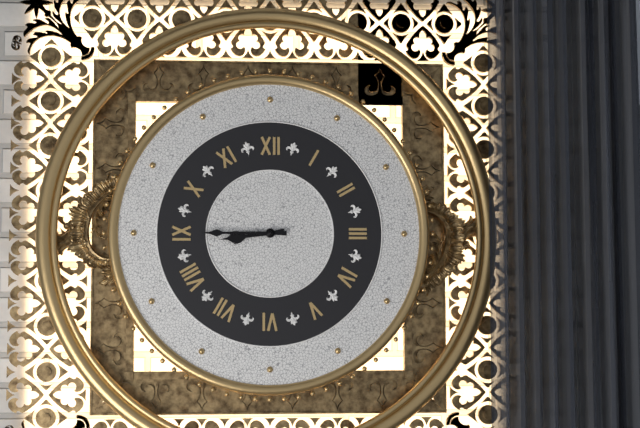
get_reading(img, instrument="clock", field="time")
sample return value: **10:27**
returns **8:45**
